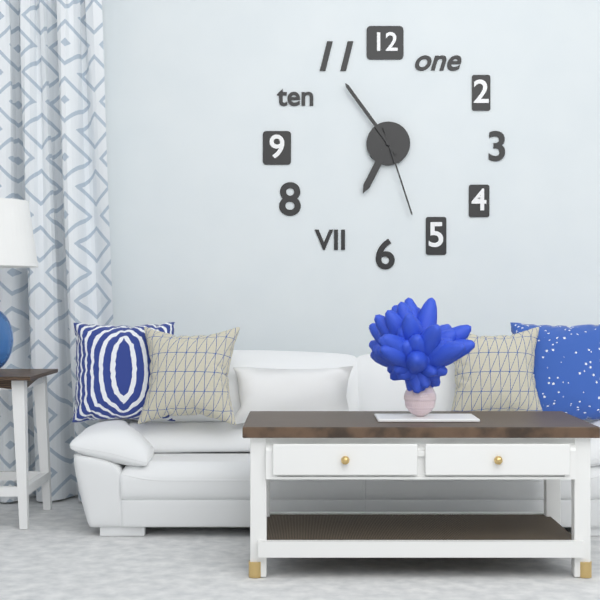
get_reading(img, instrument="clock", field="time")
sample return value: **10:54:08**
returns **6:54:27**
